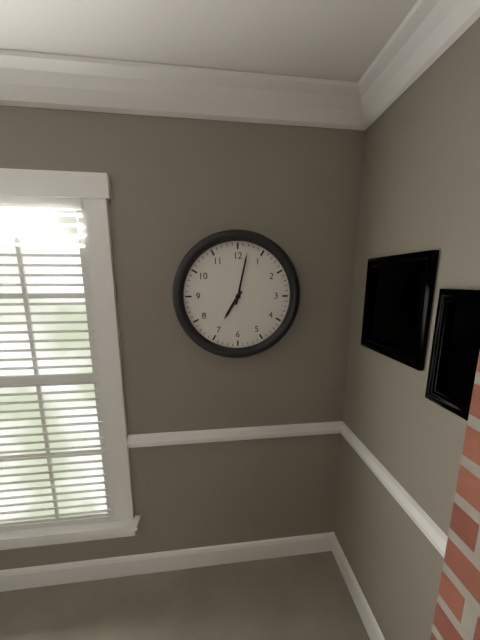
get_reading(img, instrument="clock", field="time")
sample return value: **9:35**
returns **7:02**
